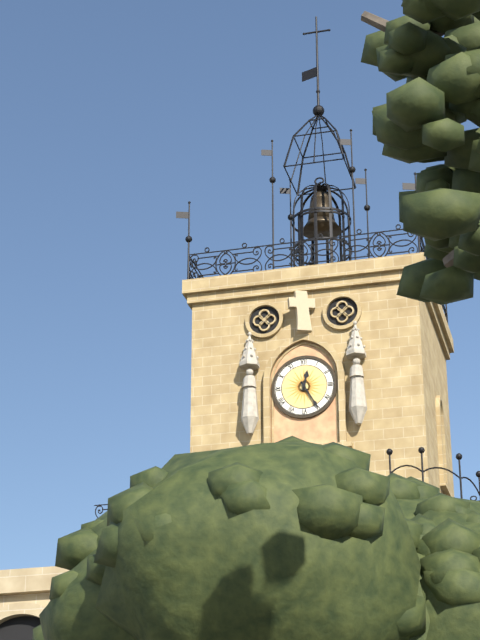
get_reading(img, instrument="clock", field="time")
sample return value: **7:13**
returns **12:25**
